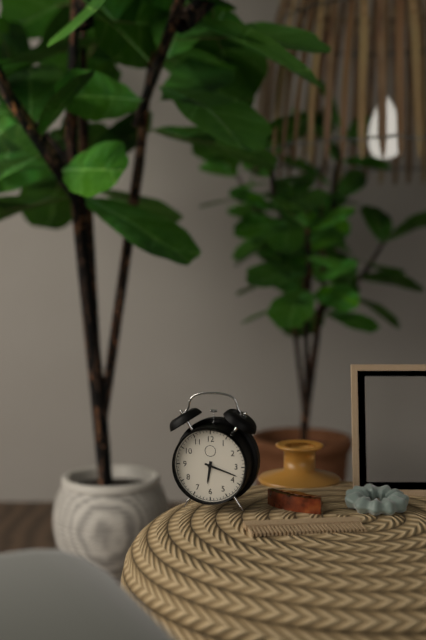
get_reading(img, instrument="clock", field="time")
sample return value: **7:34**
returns **6:18**
